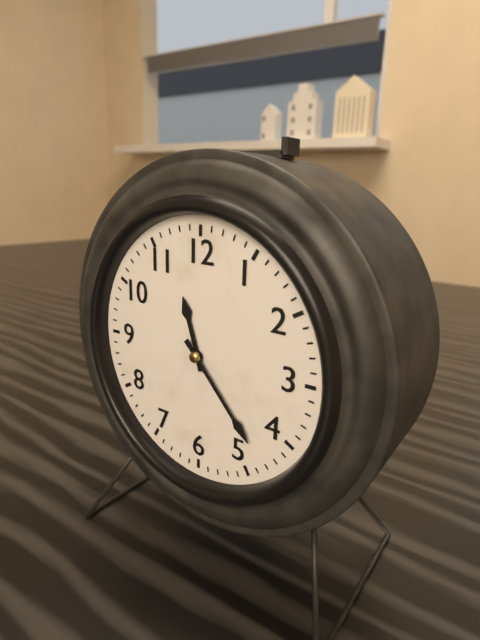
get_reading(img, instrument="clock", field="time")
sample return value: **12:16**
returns **11:23**
